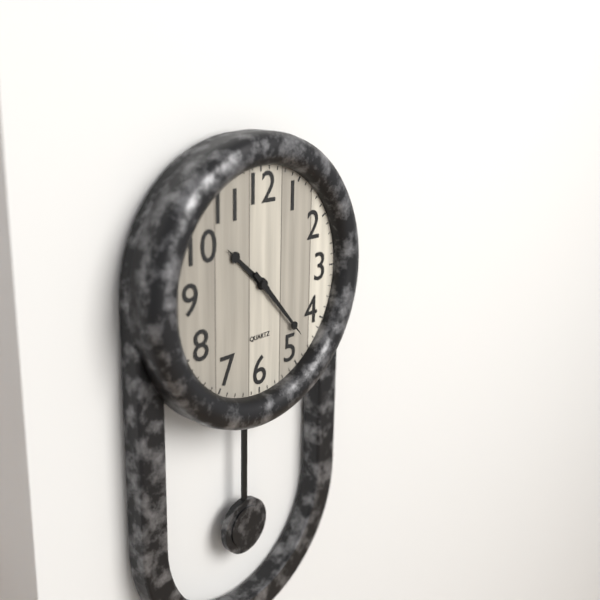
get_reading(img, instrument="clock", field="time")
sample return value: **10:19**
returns **10:23**
